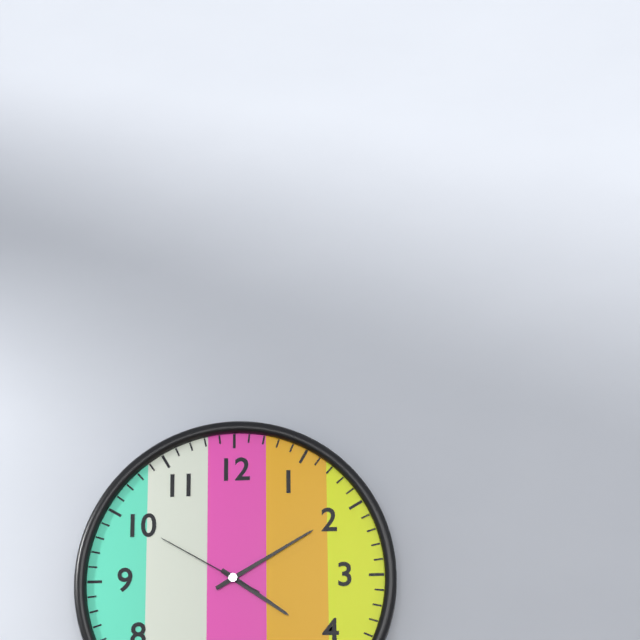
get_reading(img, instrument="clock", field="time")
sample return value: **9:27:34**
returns **4:10:50**
